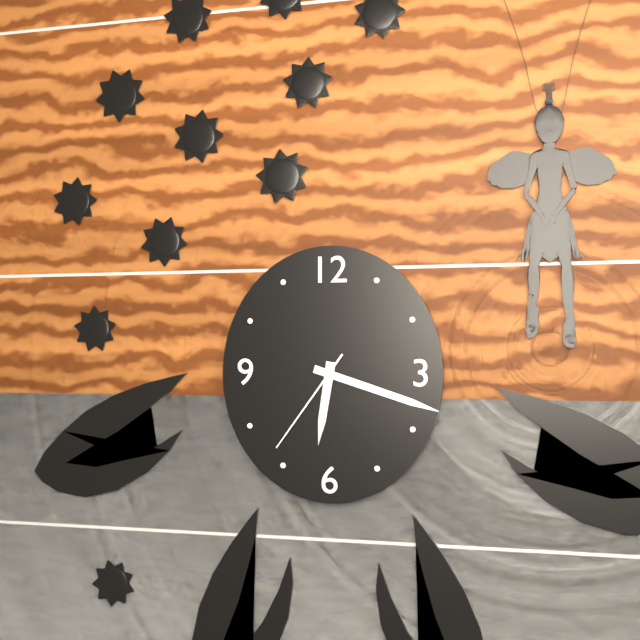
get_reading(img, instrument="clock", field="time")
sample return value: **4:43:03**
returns **6:18:36**
